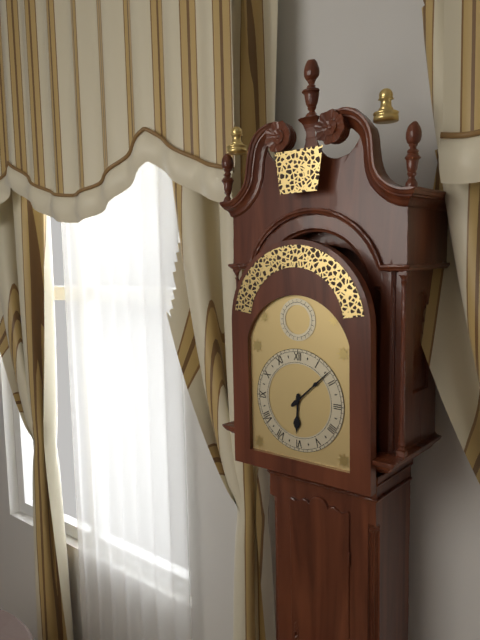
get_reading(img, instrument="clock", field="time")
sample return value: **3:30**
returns **6:08**
